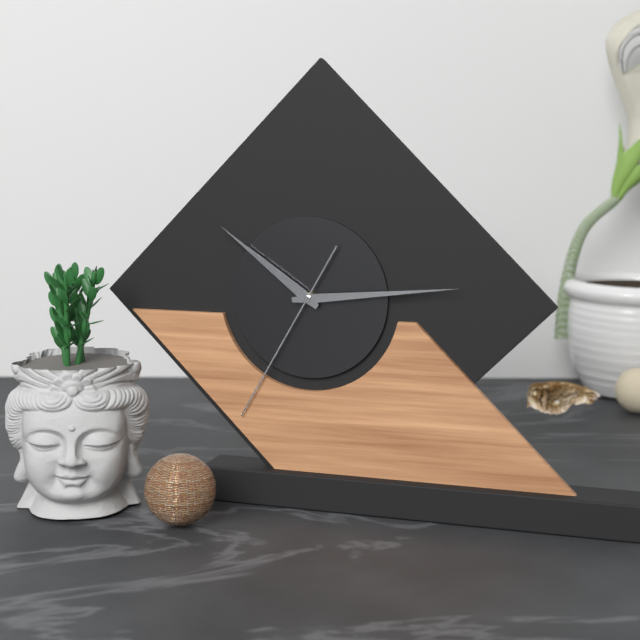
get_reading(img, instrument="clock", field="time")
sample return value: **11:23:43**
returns **10:14:35**
